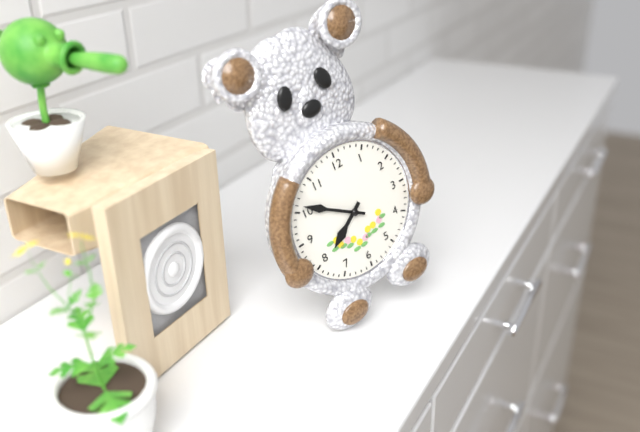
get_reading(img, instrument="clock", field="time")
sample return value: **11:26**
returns **7:51**
